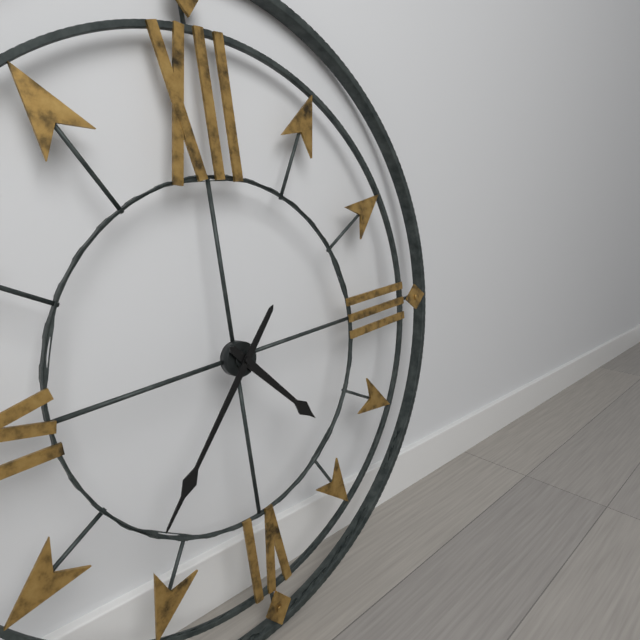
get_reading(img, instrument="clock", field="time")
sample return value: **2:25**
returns **4:37**
